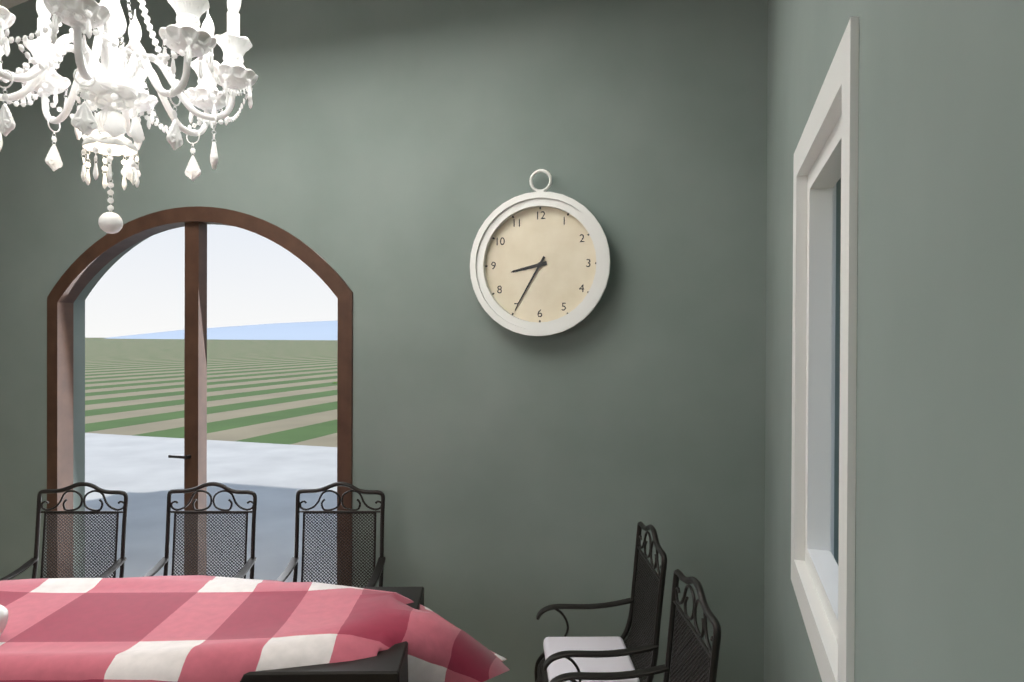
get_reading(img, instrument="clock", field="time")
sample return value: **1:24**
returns **8:35**
